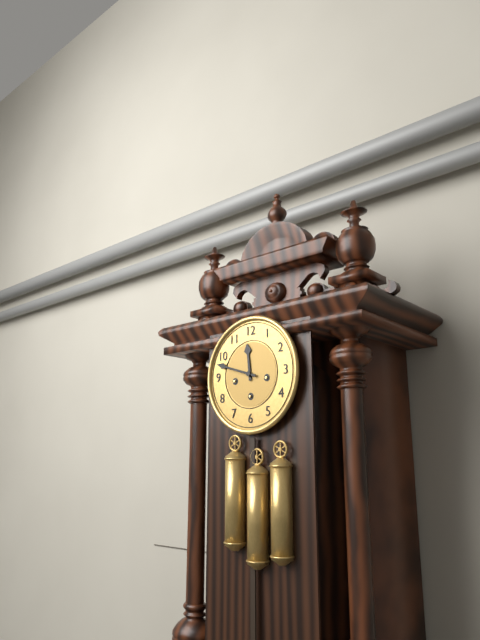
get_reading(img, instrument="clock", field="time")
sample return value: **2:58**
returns **11:48**
